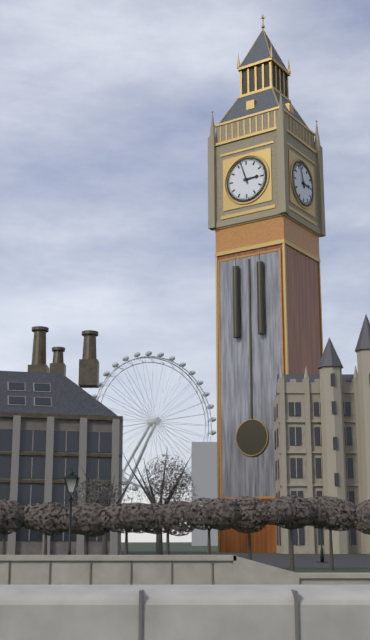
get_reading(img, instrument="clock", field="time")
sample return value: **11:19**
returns **2:57**
